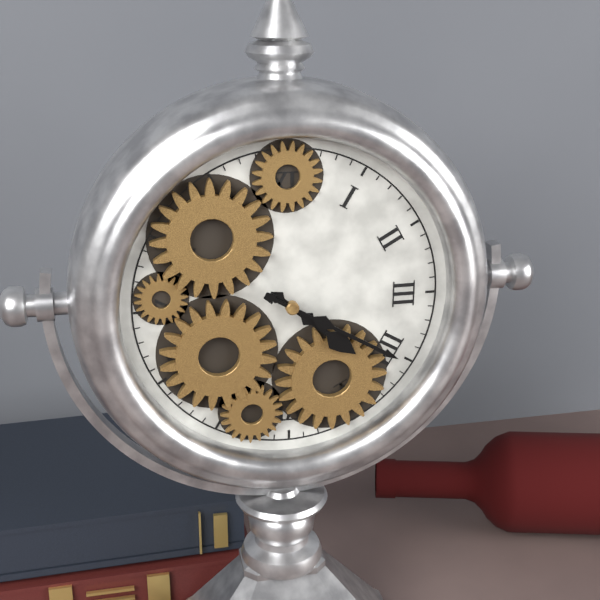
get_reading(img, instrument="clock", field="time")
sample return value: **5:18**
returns **4:20**
